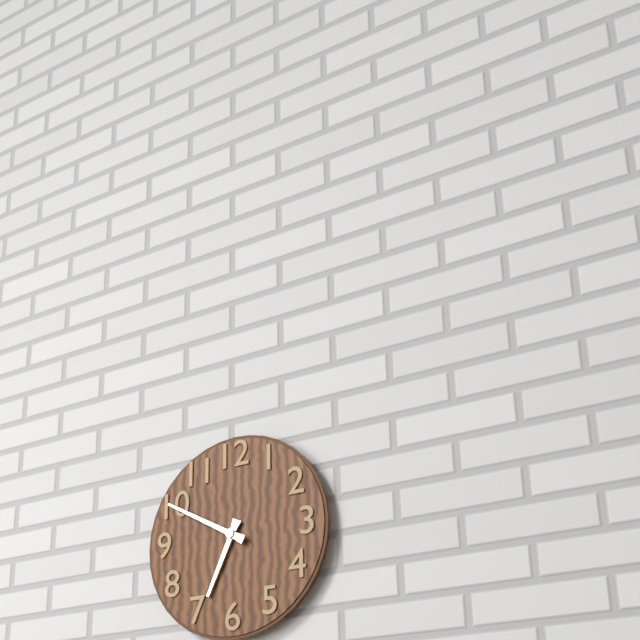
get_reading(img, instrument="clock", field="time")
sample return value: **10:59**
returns **6:50**
